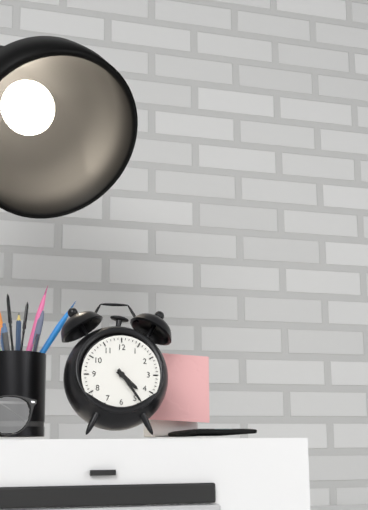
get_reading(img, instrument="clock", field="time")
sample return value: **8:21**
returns **4:24**
